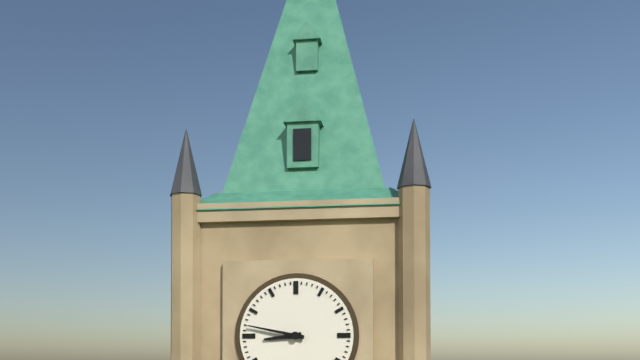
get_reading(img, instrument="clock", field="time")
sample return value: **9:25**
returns **8:47**
